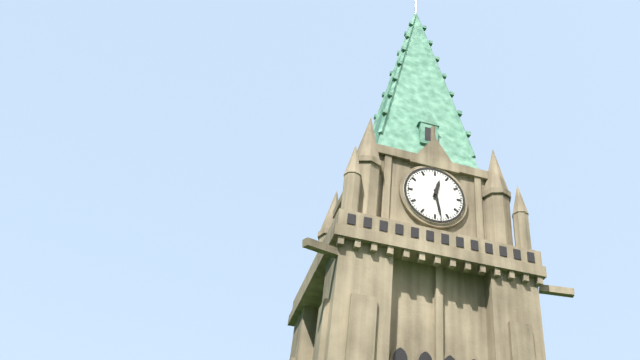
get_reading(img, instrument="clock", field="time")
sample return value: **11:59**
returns **12:28**
